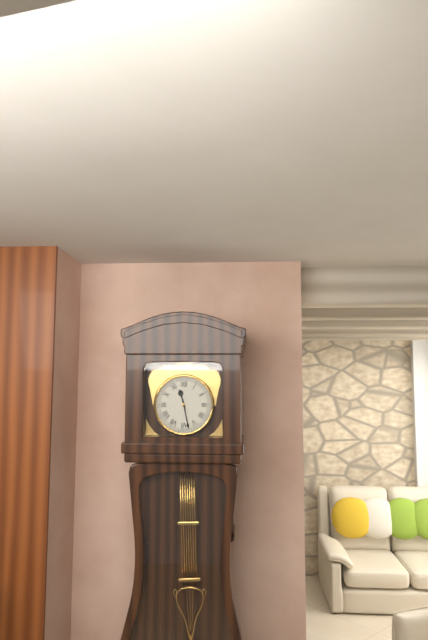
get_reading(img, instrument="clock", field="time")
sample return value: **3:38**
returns **11:28**
